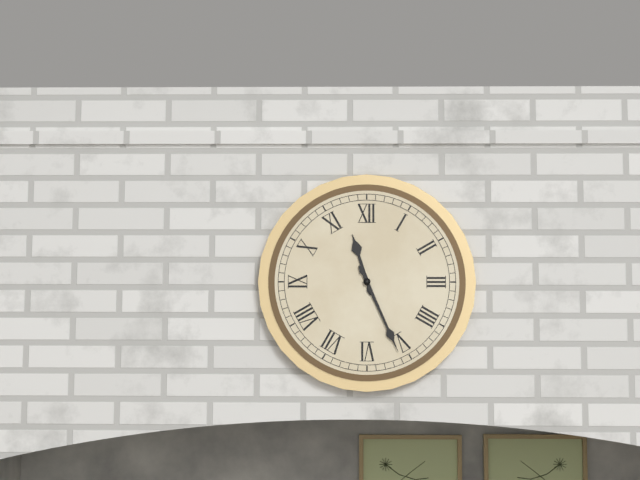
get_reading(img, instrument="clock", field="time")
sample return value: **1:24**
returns **11:26**
